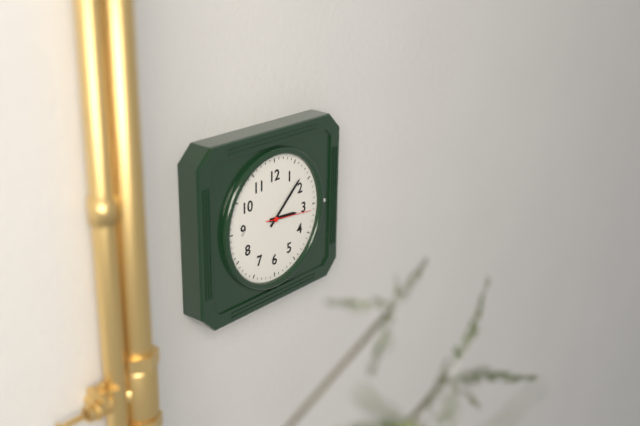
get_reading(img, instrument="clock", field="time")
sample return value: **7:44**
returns **3:08**
